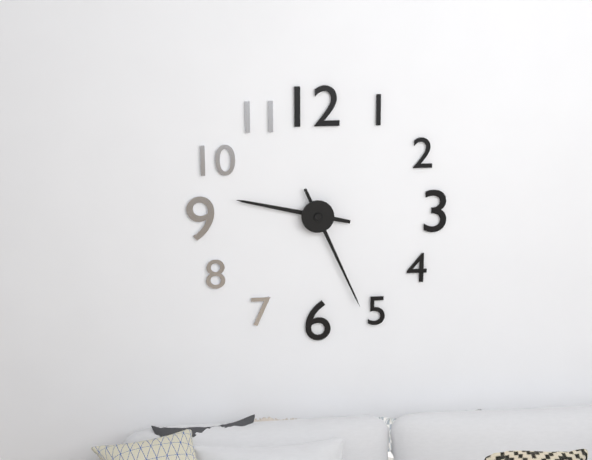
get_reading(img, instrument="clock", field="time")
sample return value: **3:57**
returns **9:26**
